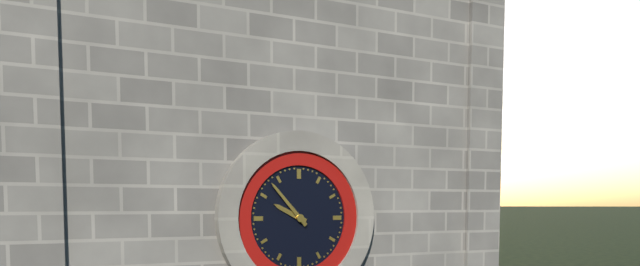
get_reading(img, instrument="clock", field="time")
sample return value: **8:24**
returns **9:53**
